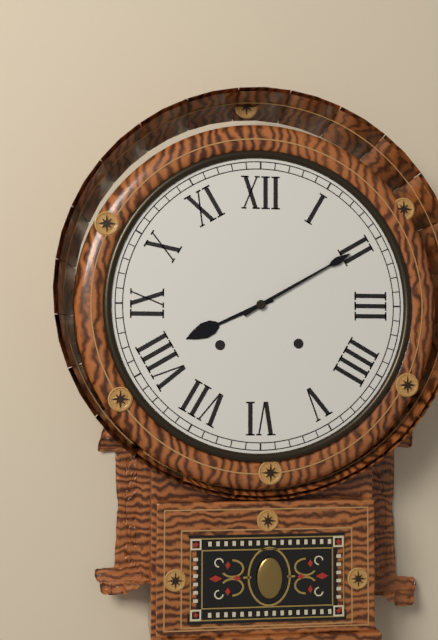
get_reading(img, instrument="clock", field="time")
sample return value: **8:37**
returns **8:10**
